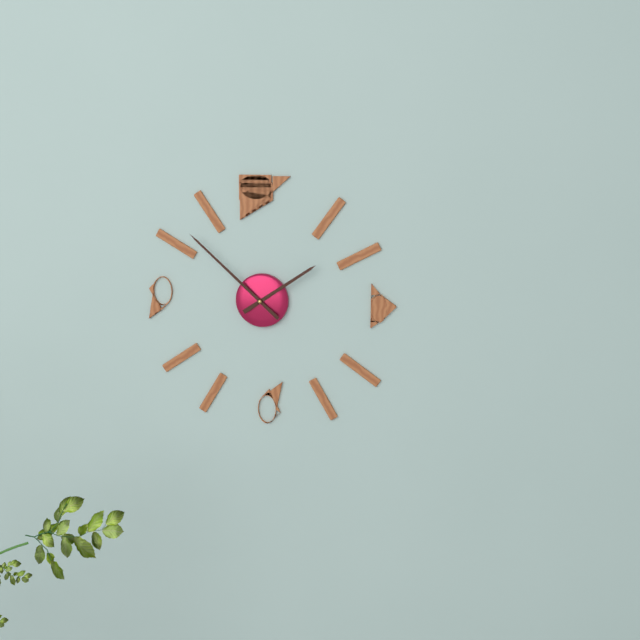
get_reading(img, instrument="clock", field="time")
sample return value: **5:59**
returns **1:52**
